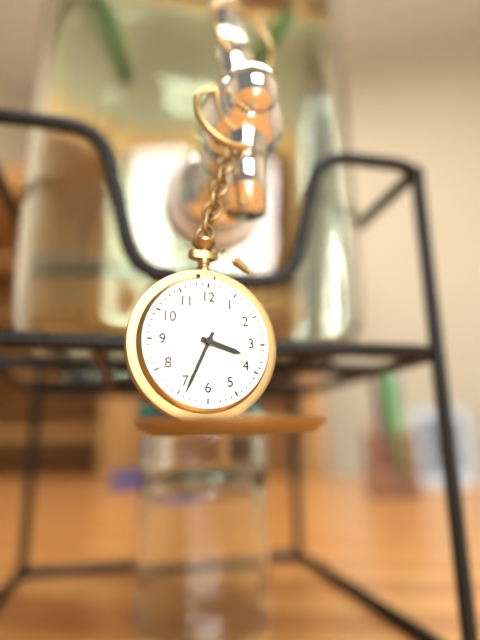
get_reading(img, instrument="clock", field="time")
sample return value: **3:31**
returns **3:34**
